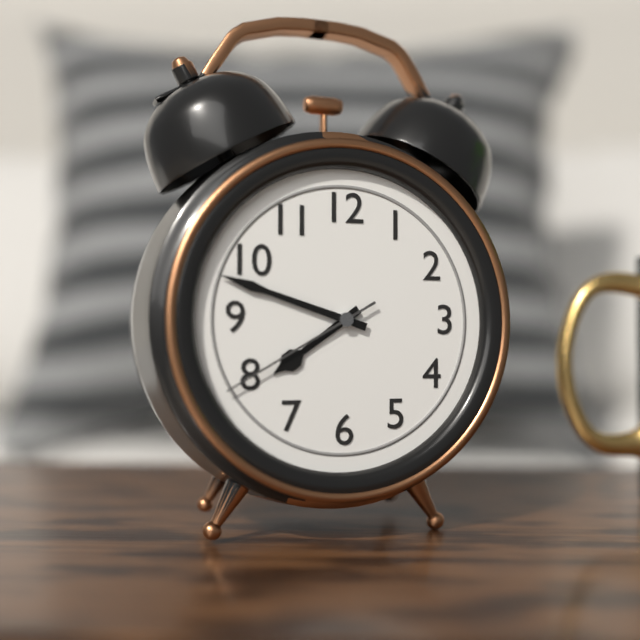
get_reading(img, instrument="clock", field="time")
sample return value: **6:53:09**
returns **7:48:40**
